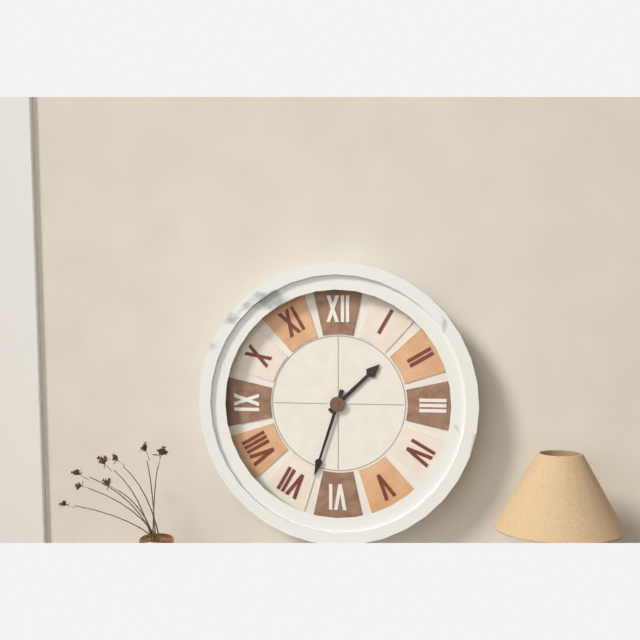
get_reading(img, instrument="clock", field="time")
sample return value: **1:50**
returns **1:33**
